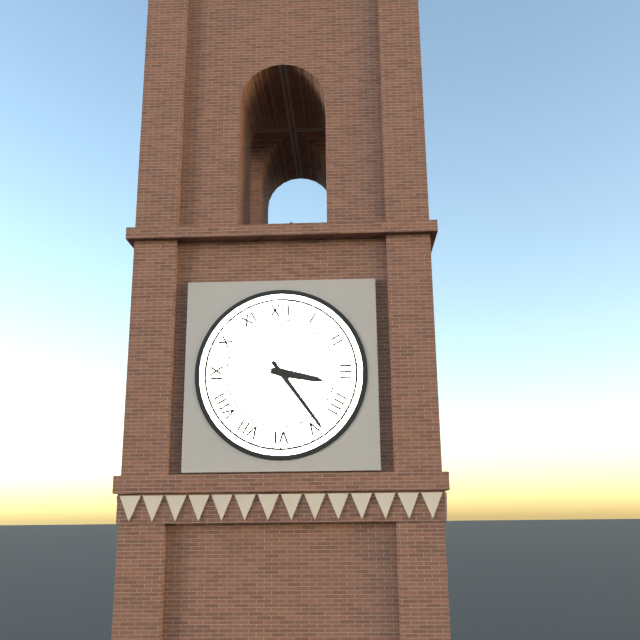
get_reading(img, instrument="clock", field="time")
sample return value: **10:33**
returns **3:24**
